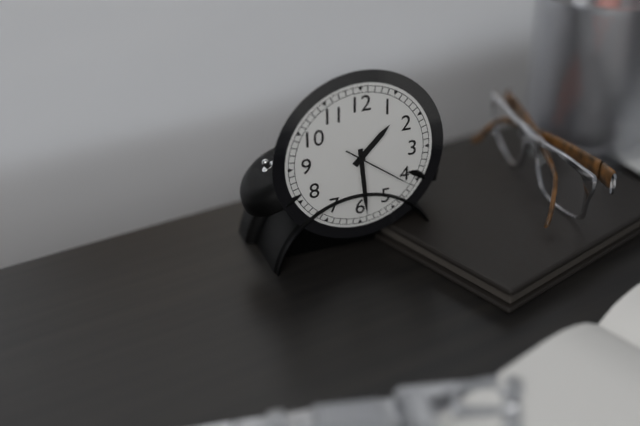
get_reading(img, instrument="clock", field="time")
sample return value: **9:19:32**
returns **1:29:21**
